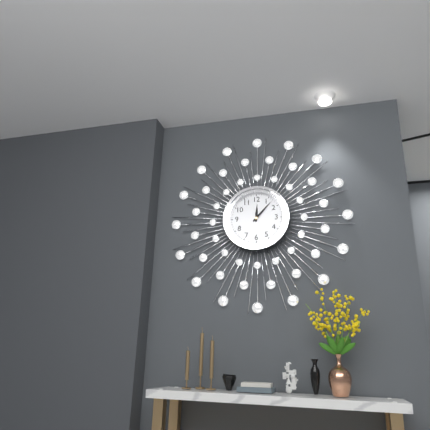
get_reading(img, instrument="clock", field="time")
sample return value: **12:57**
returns **12:07**
